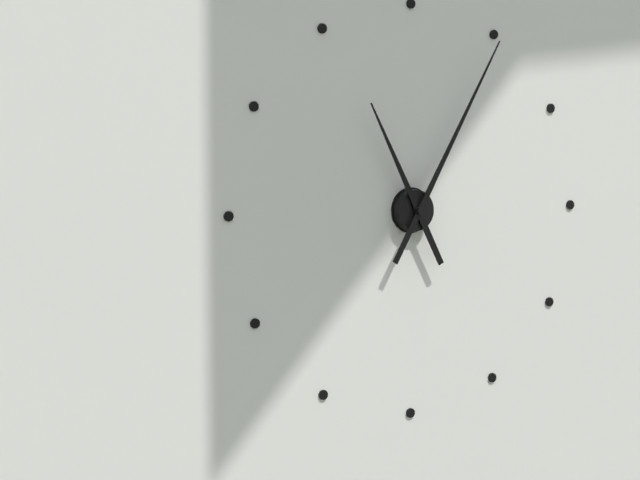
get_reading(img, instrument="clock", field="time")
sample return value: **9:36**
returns **11:05**
